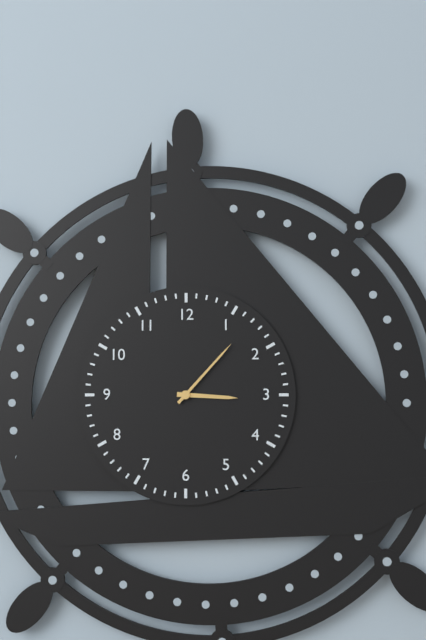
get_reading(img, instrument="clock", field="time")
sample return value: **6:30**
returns **3:07**
